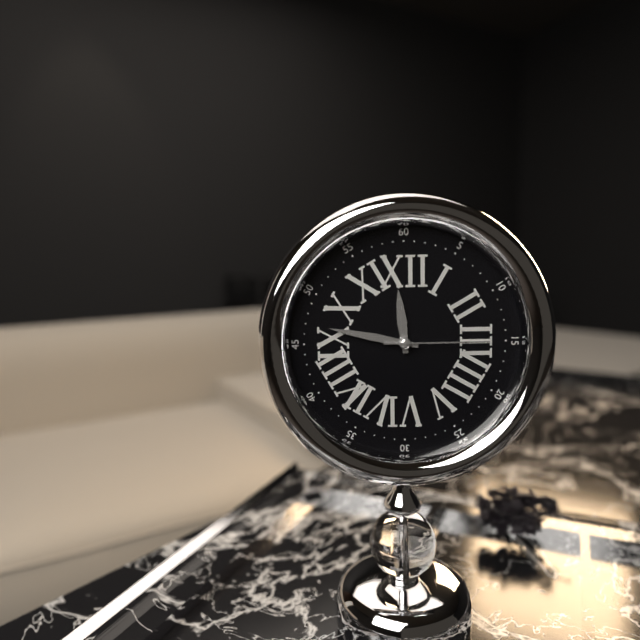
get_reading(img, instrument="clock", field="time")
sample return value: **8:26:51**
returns **11:47:15**
